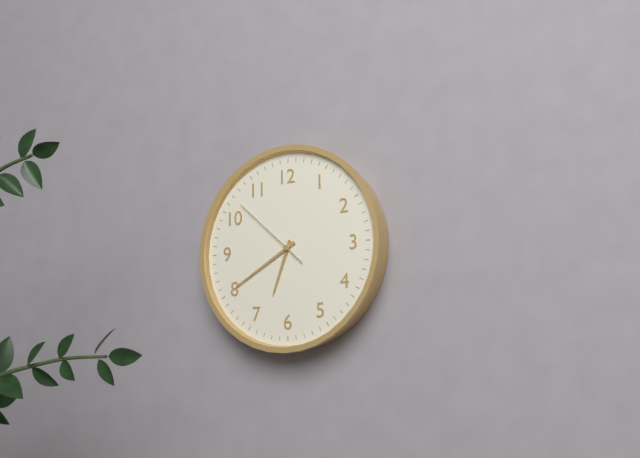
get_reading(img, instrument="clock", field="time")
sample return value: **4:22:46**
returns **6:40:52**
